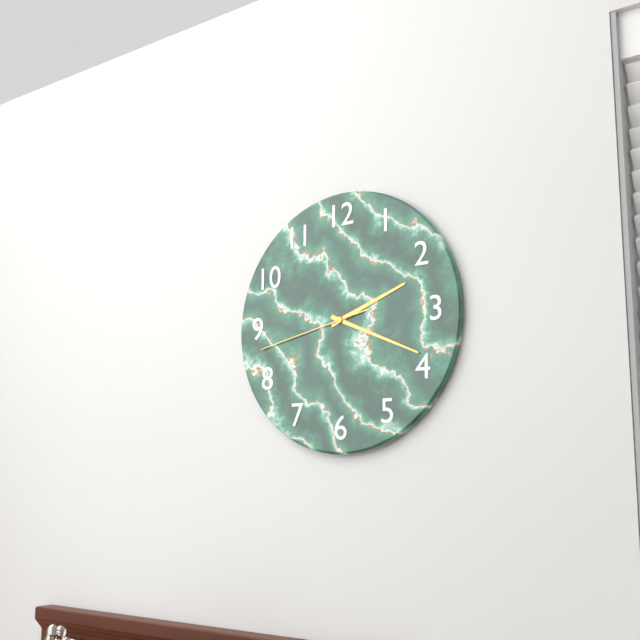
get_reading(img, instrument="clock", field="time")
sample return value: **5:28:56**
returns **2:19:43**
